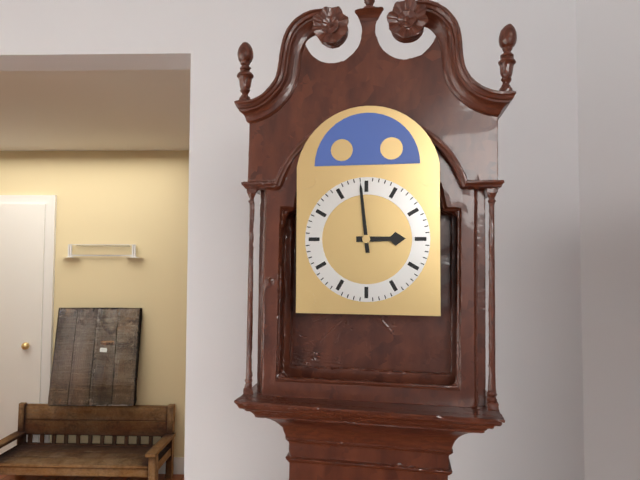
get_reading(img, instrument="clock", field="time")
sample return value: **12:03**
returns **2:59**
